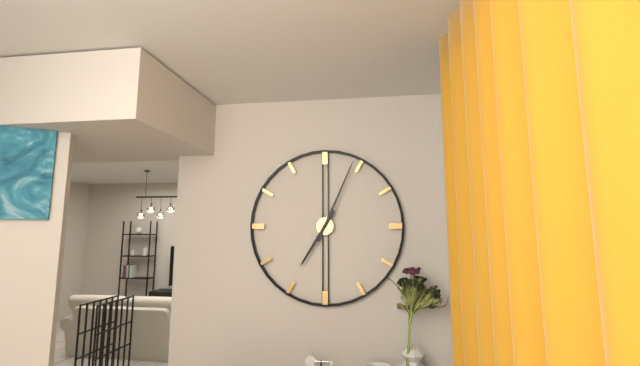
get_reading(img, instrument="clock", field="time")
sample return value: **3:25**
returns **7:04**
